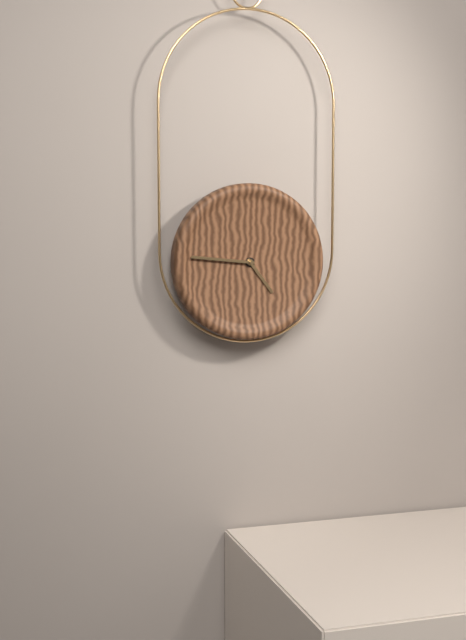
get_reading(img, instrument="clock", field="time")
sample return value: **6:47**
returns **4:46**
